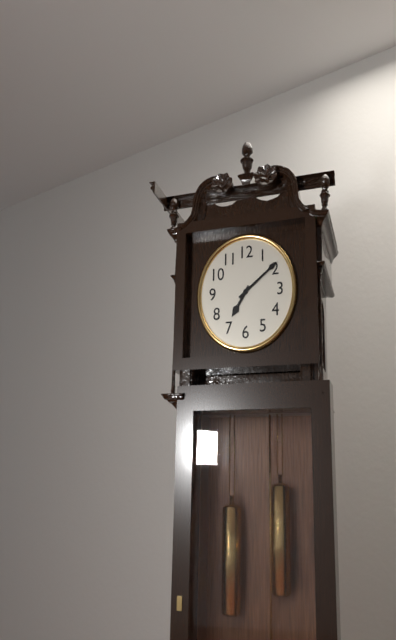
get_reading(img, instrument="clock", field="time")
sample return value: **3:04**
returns **7:09**
